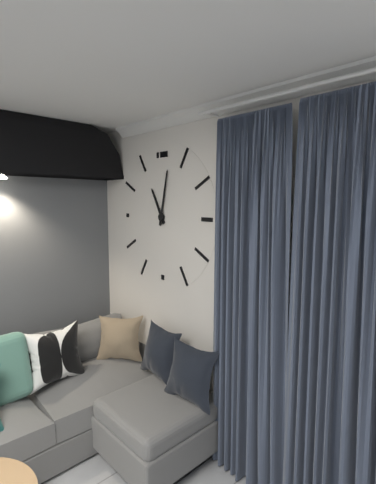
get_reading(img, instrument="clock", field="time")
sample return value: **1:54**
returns **11:02**
